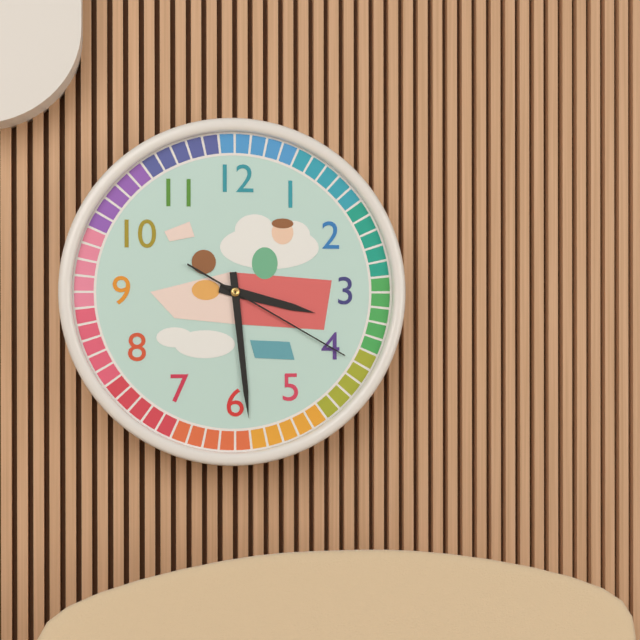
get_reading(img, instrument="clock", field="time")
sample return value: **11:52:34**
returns **3:29:20**
